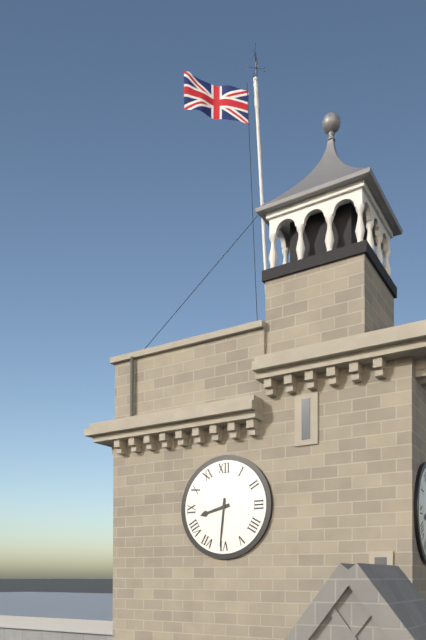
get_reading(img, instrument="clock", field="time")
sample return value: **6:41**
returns **8:31**
